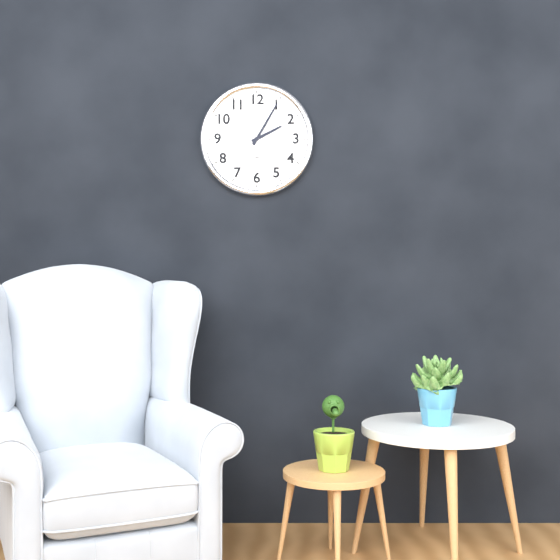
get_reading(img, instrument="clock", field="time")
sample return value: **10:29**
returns **2:05**
